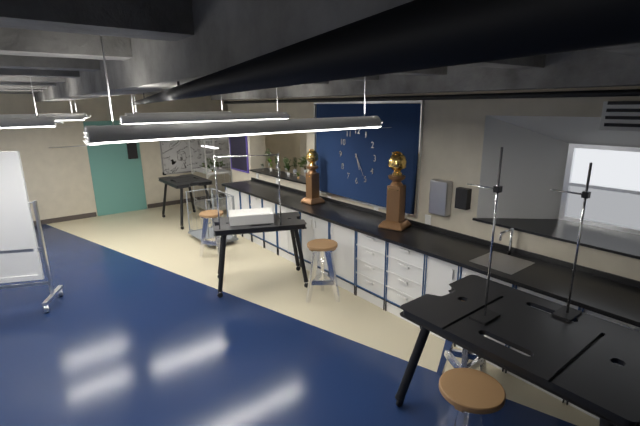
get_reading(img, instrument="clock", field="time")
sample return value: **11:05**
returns **5:25**
